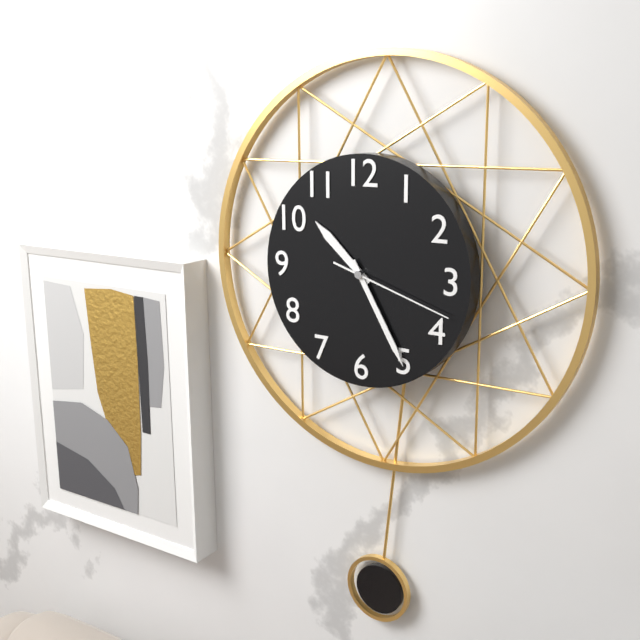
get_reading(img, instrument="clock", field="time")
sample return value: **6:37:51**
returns **10:25:18**
